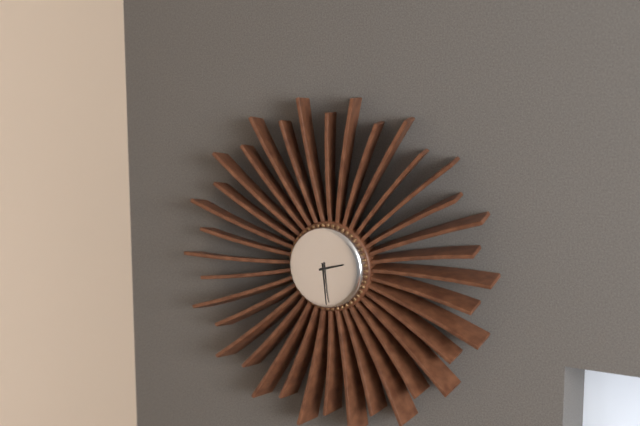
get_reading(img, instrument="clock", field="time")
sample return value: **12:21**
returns **2:29**
